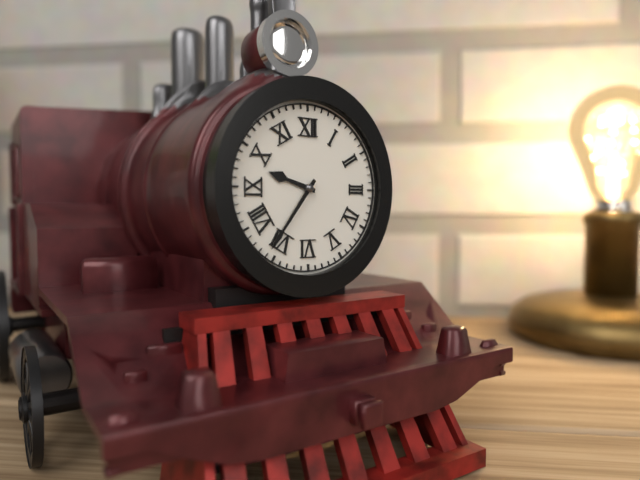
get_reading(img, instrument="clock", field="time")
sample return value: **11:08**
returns **9:36**
